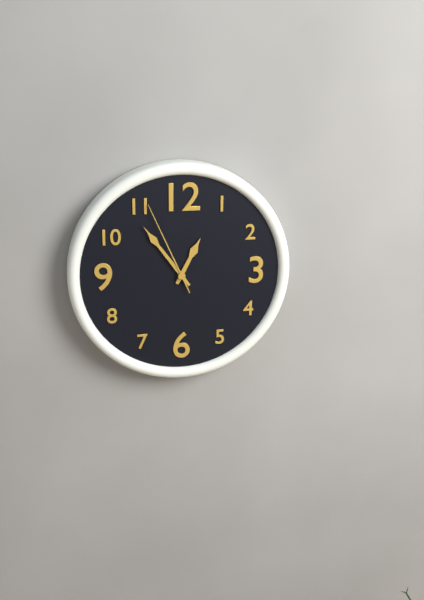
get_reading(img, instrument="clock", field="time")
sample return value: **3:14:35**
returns **12:54:56**
